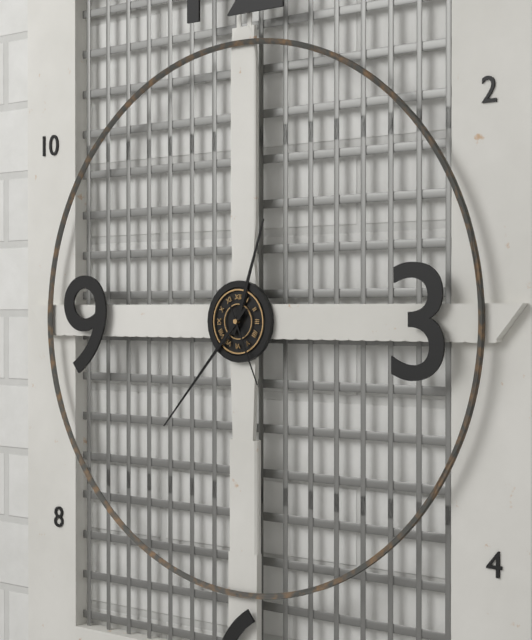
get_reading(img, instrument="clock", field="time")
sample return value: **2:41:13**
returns **12:37:26**
